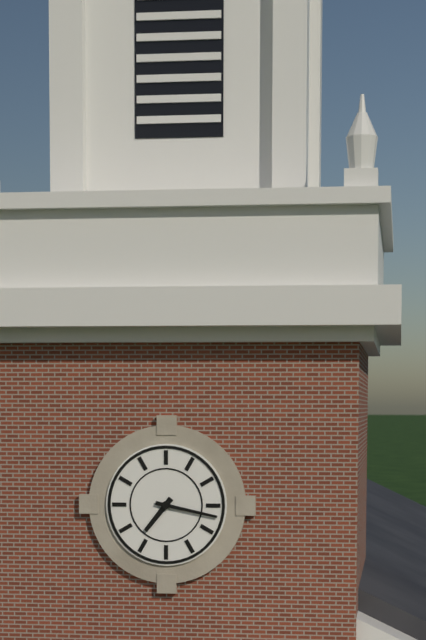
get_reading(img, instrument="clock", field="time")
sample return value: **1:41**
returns **7:17**
